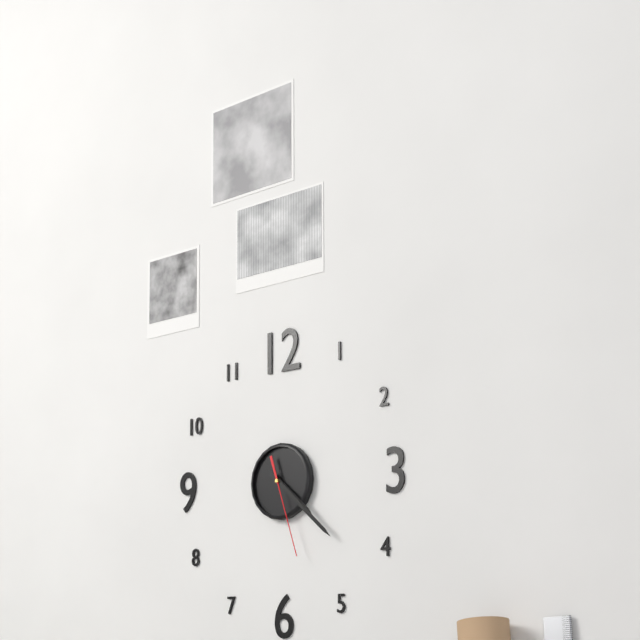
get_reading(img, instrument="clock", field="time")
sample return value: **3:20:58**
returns **4:22:27**
